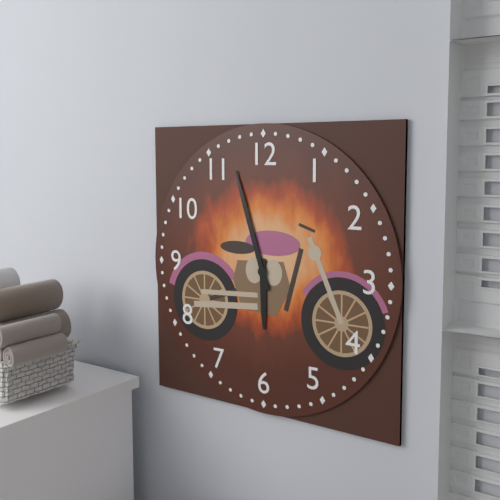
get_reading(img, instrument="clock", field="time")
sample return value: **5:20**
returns **5:57**
